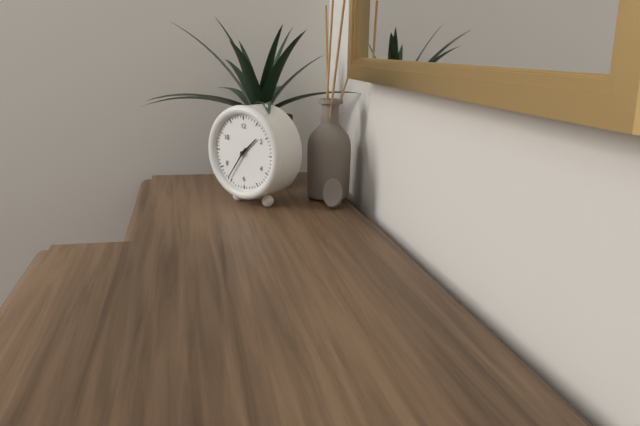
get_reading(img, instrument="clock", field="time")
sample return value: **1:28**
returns **1:36**
